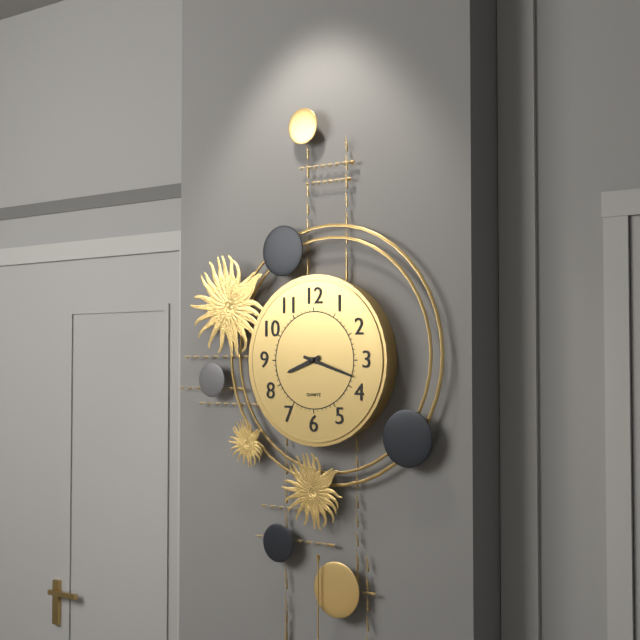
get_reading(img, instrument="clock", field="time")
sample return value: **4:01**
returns **8:18**
